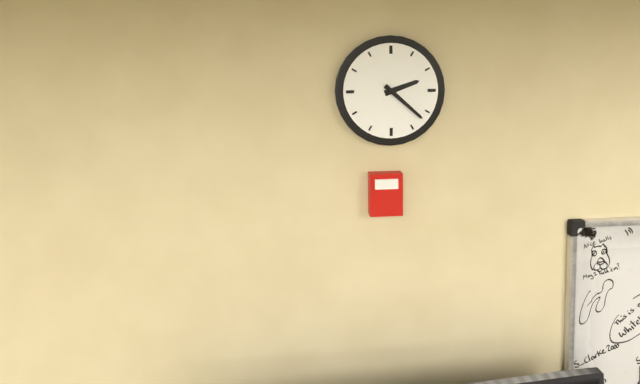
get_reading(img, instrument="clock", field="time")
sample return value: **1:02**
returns **2:22**
